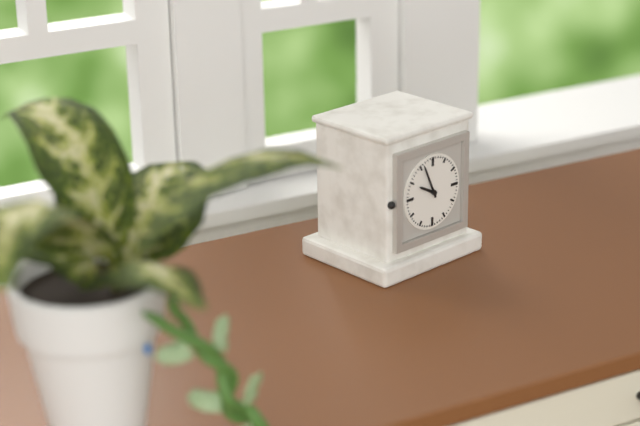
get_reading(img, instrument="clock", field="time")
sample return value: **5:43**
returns **9:56**
